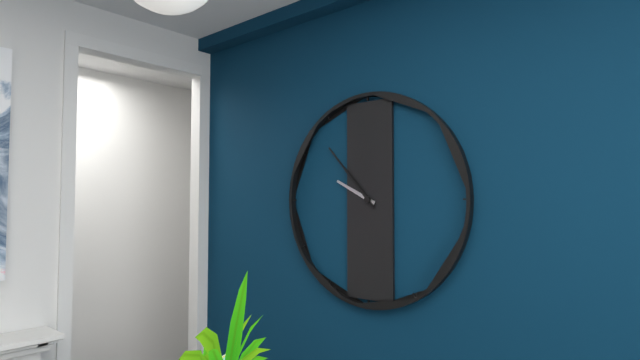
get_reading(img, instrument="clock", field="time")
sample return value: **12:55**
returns **9:53**
